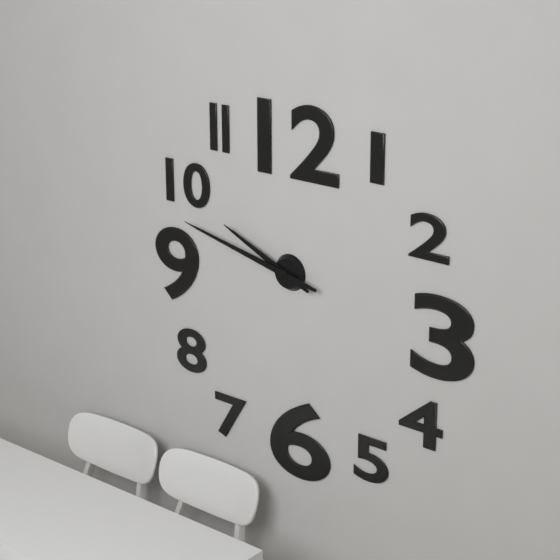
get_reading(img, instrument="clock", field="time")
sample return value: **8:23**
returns **9:47**
